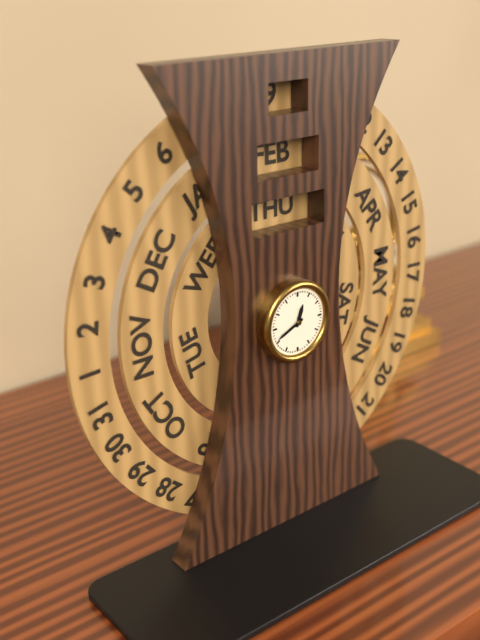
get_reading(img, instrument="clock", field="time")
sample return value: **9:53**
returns **12:41**
